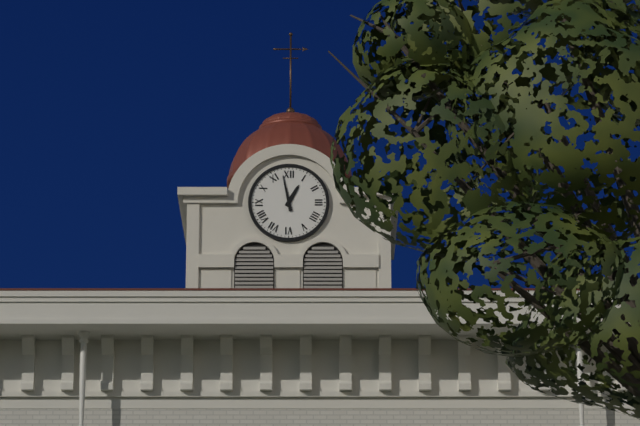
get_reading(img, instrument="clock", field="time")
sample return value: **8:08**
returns **12:58**
